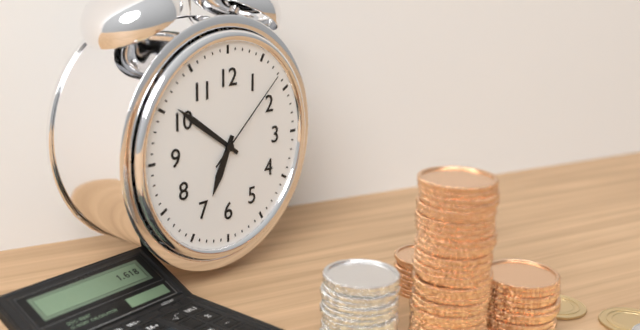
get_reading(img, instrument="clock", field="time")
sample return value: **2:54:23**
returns **6:51:08**
